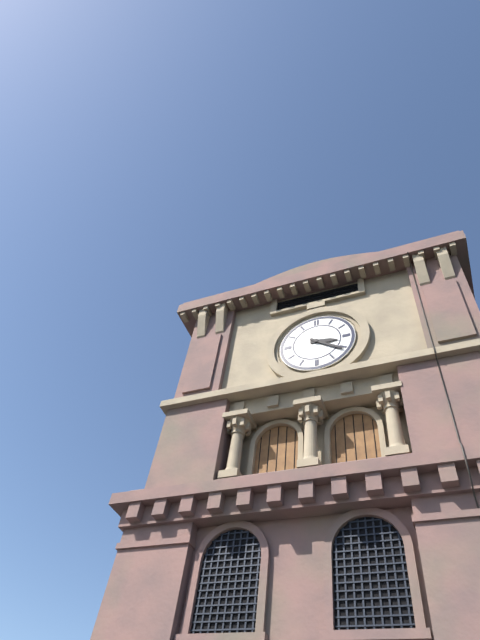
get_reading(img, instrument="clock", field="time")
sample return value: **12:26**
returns **3:21**
